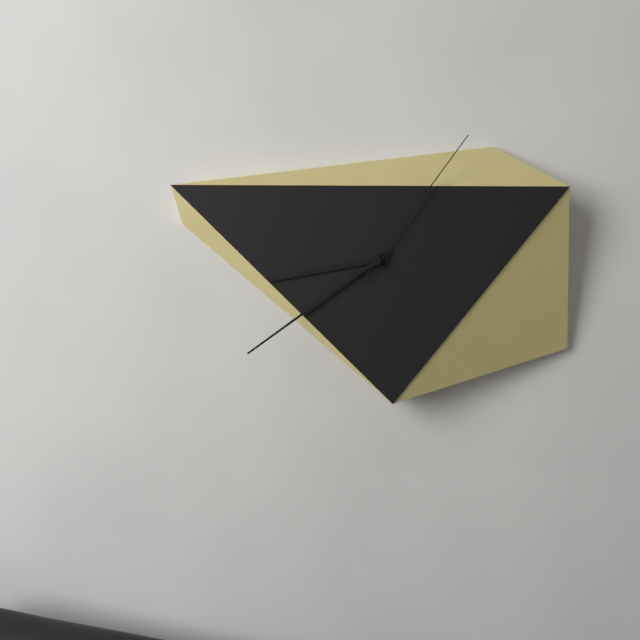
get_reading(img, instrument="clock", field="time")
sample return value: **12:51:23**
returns **8:39:06**
